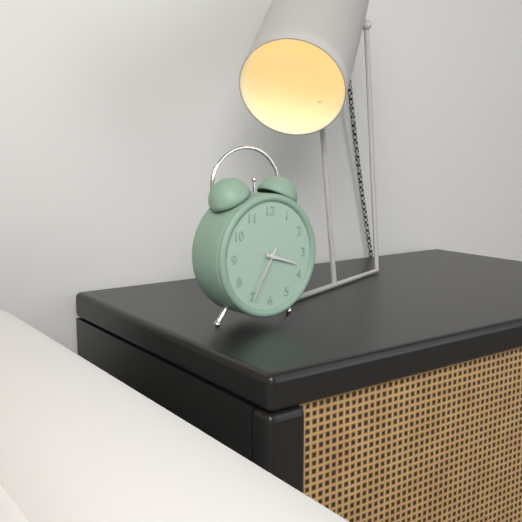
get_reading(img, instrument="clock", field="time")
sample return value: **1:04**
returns **3:35**
